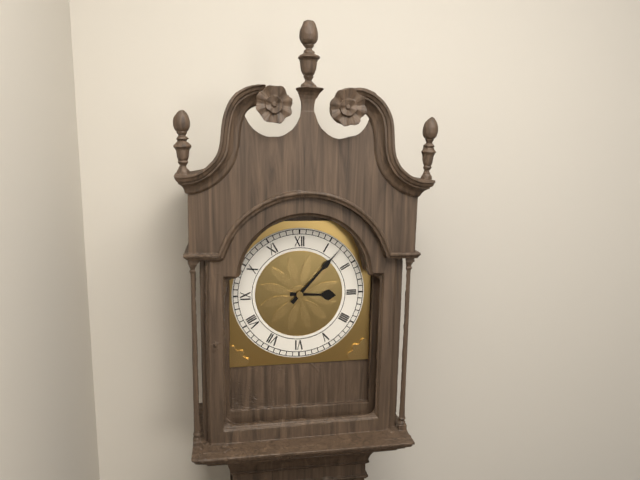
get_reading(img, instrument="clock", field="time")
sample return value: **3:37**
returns **3:07**
